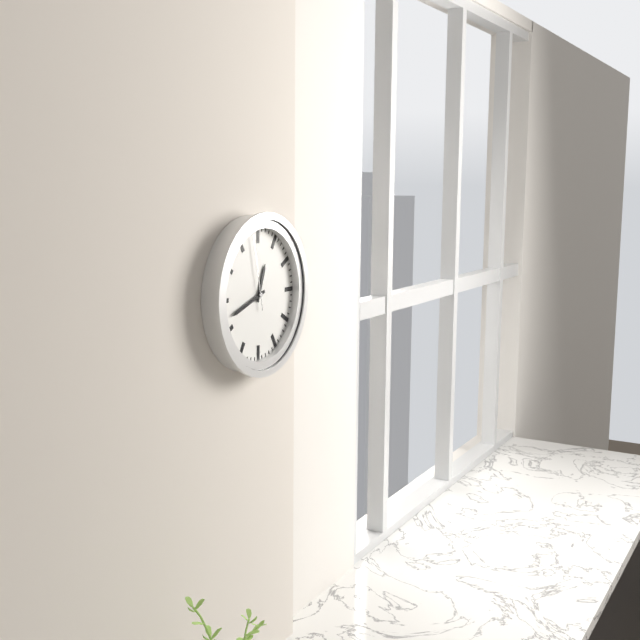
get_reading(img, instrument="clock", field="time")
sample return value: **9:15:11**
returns **12:42:58**
